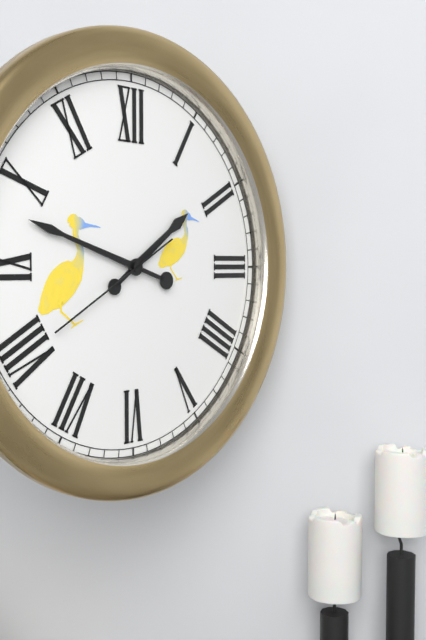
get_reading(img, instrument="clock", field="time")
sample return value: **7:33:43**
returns **1:48:40**
